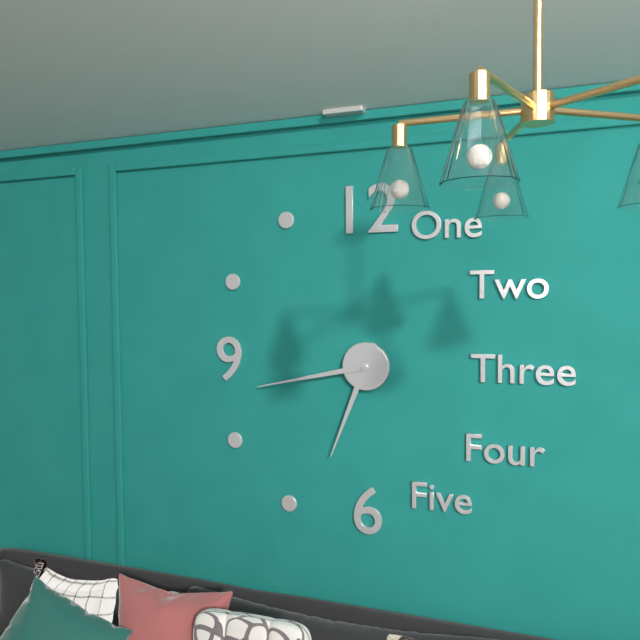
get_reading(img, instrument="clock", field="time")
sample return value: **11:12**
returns **6:43**
